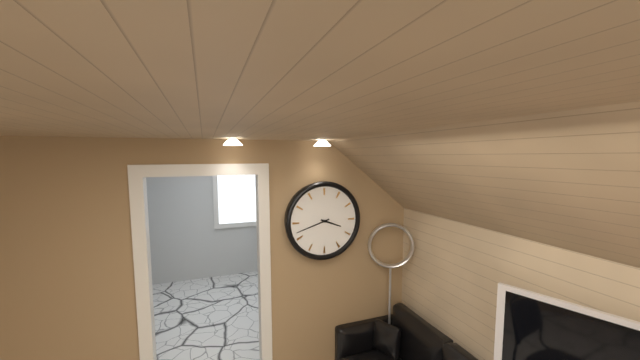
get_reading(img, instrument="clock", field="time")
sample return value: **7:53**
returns **3:42**
